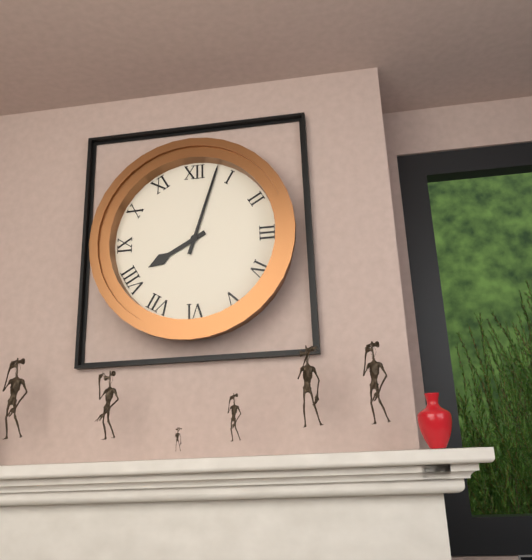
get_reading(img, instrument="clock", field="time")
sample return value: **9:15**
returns **8:03**
